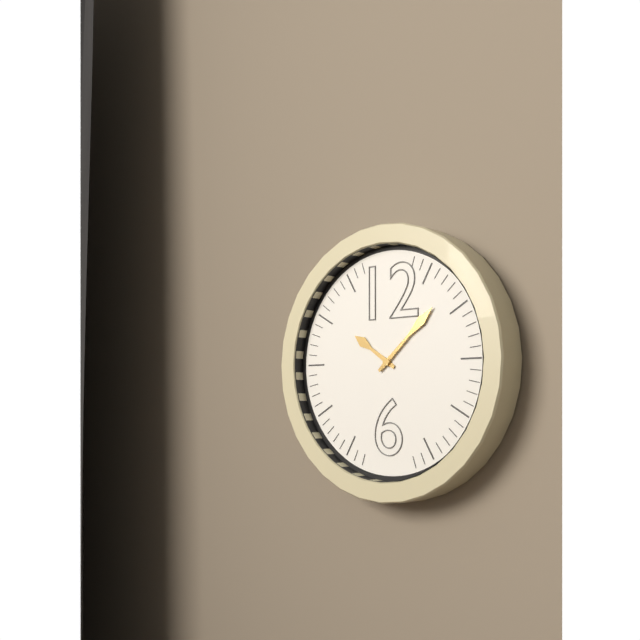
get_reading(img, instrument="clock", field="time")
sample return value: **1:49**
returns **10:08**
